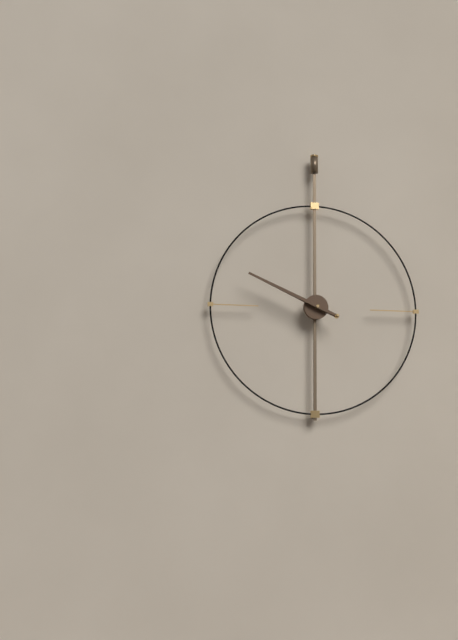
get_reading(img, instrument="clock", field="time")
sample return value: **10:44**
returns **9:49**
